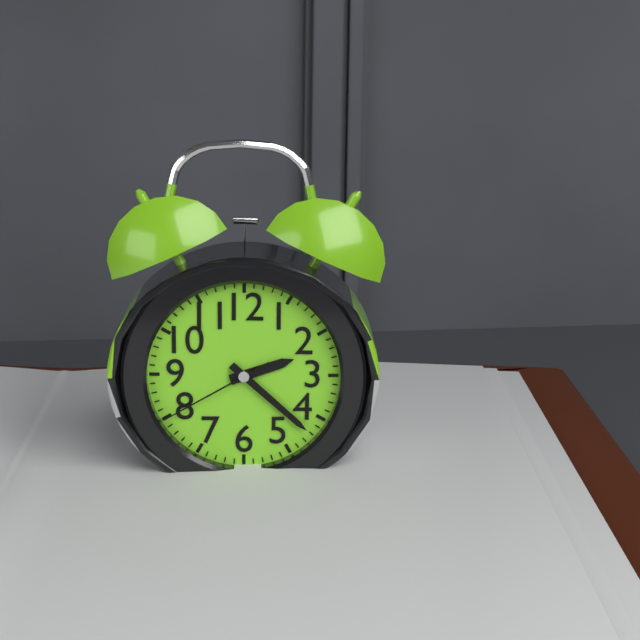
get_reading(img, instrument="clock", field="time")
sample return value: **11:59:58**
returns **2:22:40**
